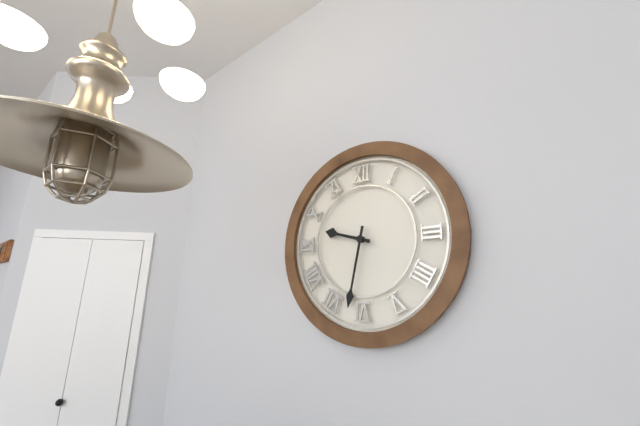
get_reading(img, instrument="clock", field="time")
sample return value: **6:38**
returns **9:32**
